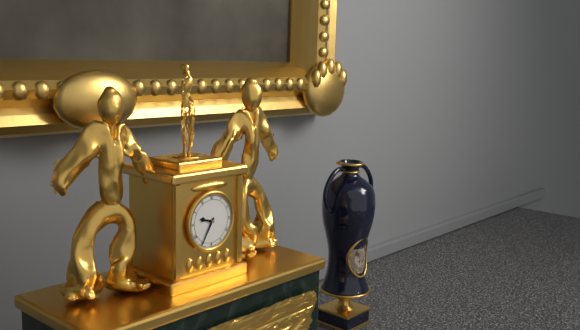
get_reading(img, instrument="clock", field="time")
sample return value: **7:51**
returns **9:35**
